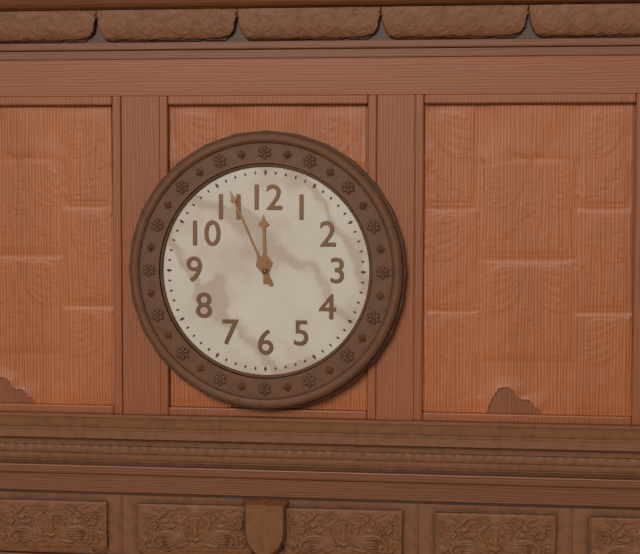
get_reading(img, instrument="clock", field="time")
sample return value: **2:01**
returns **11:56**
